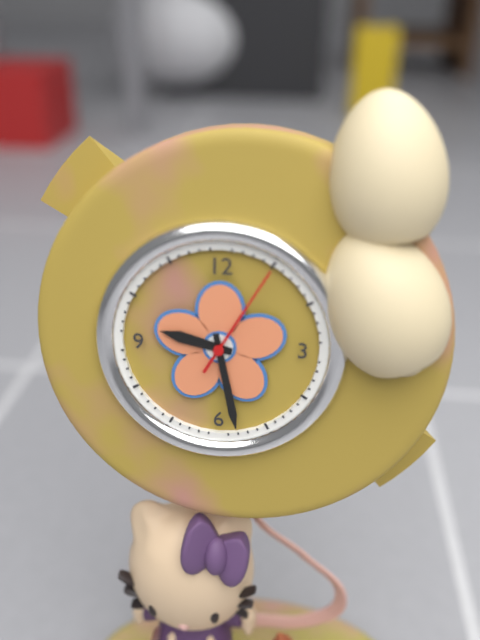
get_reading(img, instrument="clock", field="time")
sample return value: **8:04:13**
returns **9:28:05**
